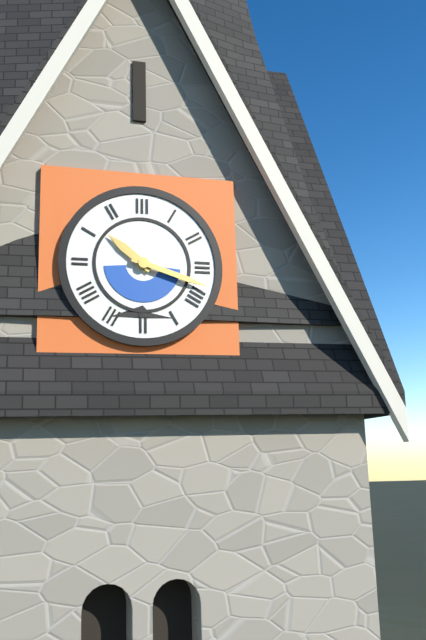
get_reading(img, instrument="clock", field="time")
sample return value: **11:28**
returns **10:18**
